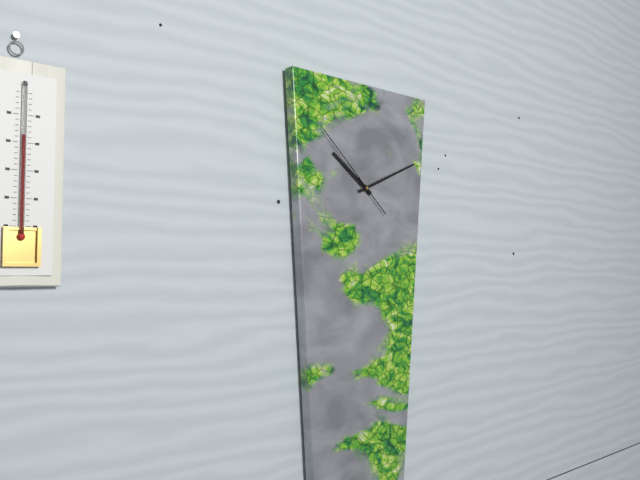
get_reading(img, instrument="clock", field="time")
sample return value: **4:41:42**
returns **10:11:52**
